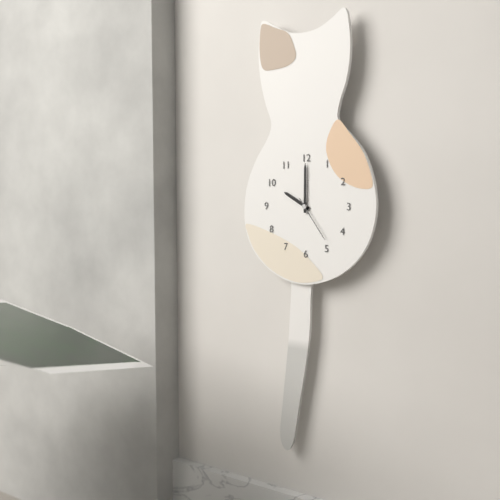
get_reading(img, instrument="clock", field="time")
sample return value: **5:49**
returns **10:00**
